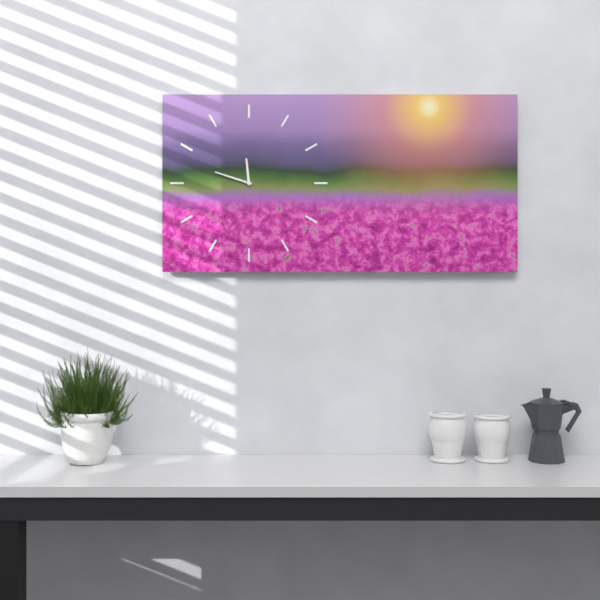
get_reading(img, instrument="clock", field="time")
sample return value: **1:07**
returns **11:48**
